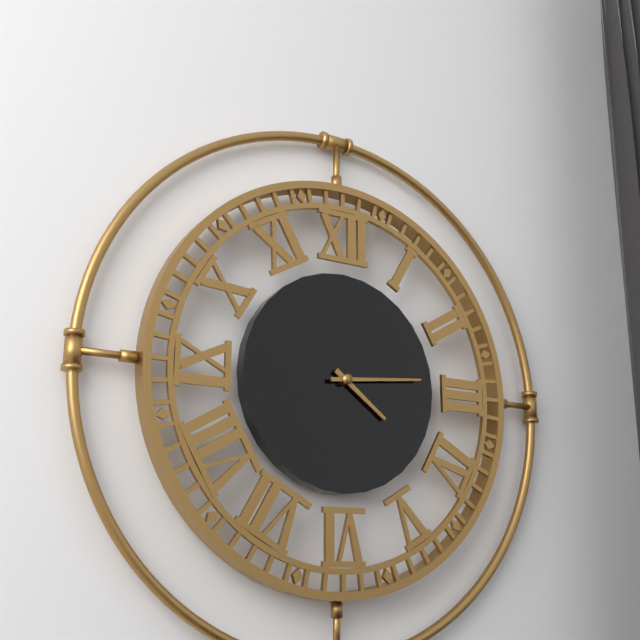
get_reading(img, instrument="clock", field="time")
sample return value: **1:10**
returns **4:14**
